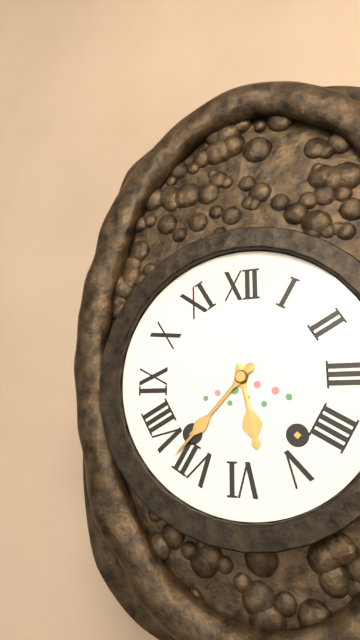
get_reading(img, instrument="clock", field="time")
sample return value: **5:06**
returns **5:37**
